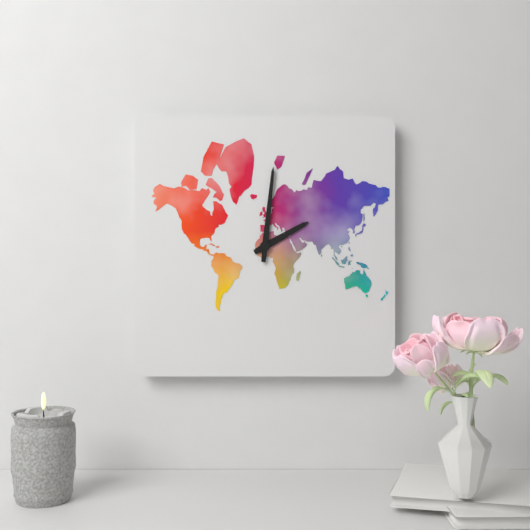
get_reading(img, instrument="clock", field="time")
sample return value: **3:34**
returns **2:01**
